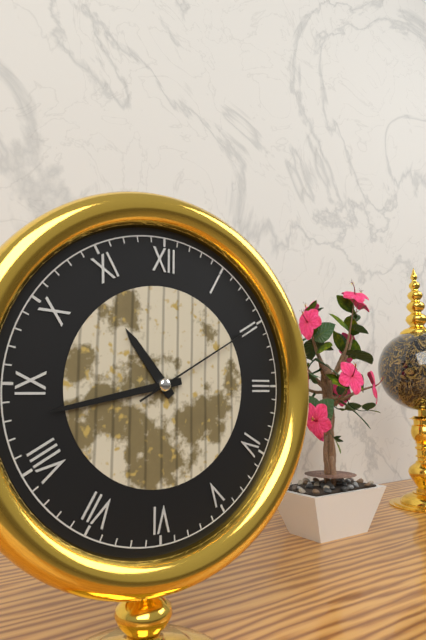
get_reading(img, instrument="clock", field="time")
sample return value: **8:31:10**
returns **10:43:10**
